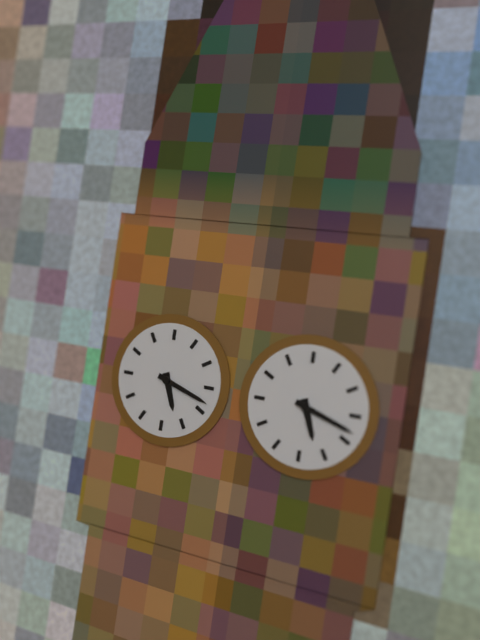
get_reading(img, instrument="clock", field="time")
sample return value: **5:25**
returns **5:18**
